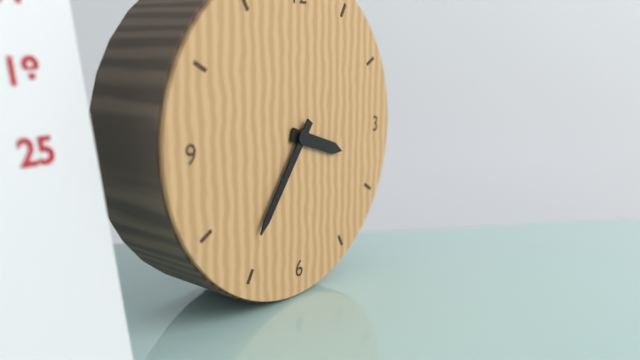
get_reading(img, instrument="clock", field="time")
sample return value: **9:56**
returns **3:36**
